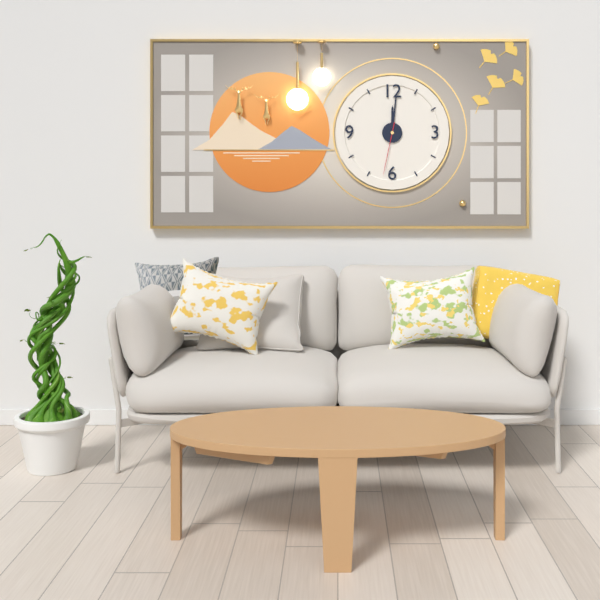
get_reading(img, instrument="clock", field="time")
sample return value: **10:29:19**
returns **12:01:32**
